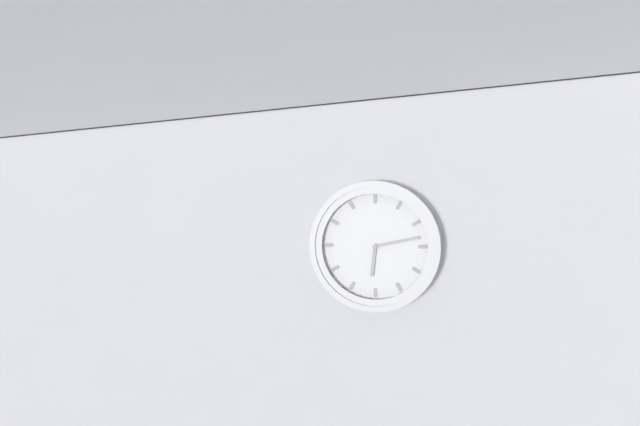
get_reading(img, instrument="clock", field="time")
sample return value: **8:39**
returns **6:13**
